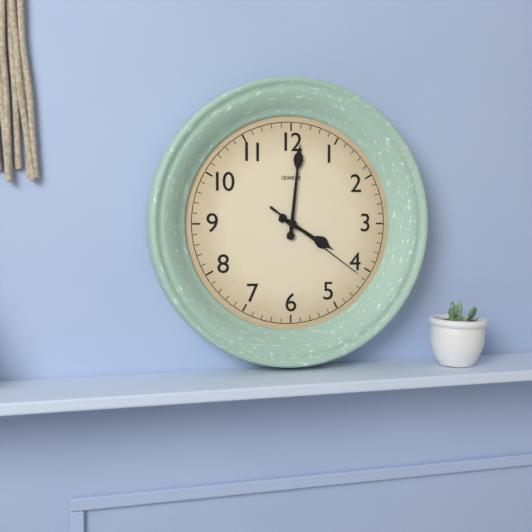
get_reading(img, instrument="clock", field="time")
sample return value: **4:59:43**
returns **4:01:21**
